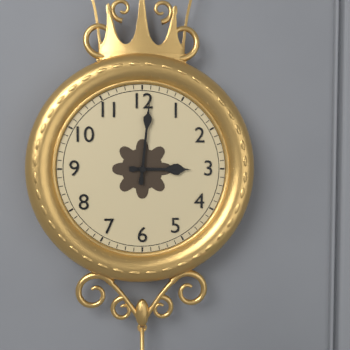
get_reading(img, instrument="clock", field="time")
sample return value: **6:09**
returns **3:01**
